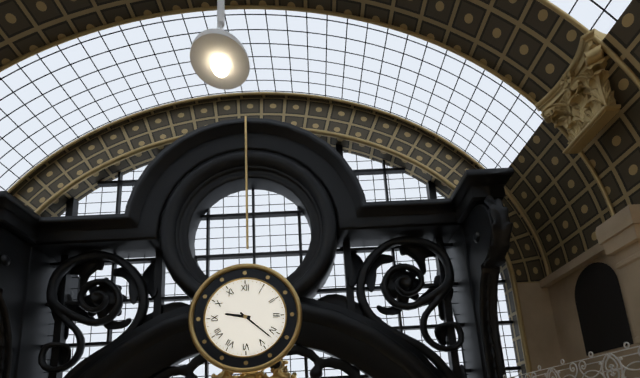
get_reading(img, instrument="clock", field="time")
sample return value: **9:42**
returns **9:22**
